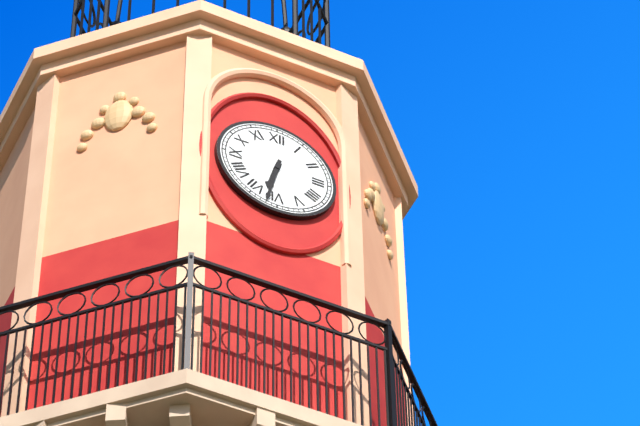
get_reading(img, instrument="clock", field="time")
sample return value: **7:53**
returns **6:32**
